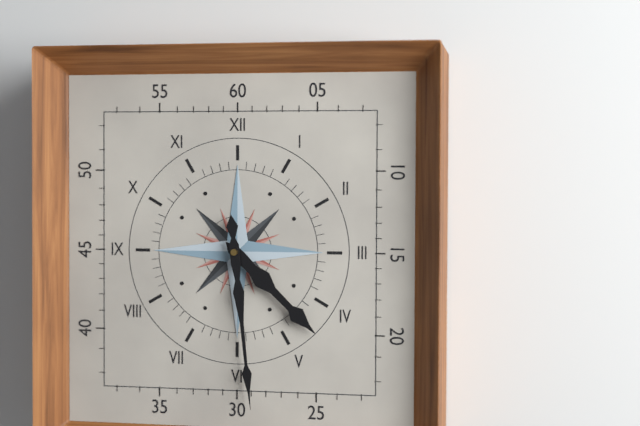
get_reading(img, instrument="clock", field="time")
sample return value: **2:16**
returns **4:29**
